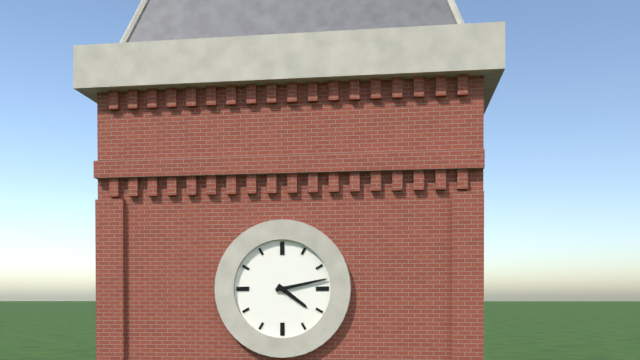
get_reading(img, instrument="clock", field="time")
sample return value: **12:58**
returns **4:13**
